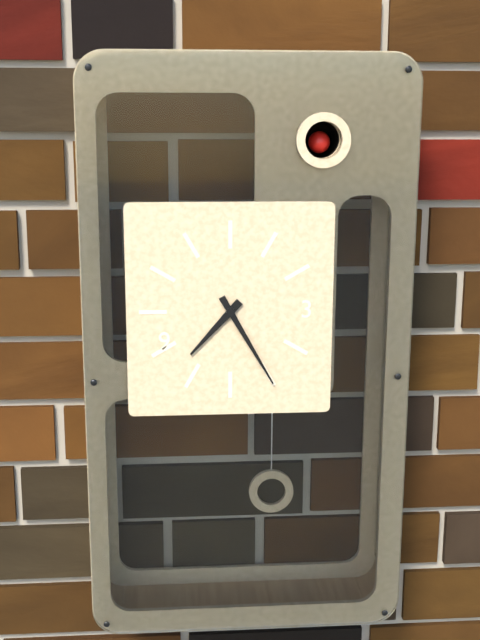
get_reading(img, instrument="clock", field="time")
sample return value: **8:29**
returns **7:25**
